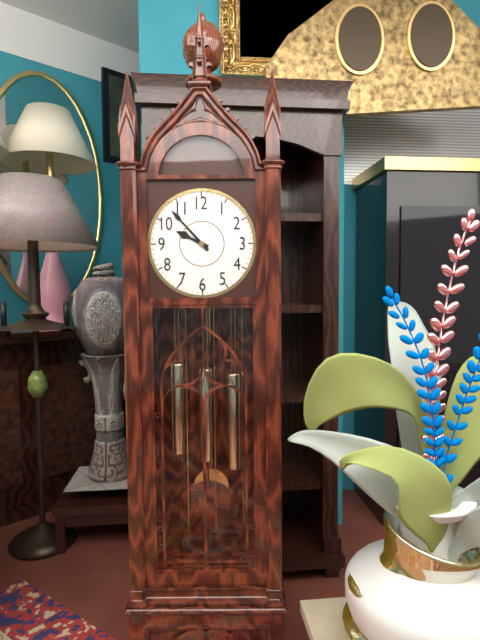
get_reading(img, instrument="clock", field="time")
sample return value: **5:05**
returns **9:53**
